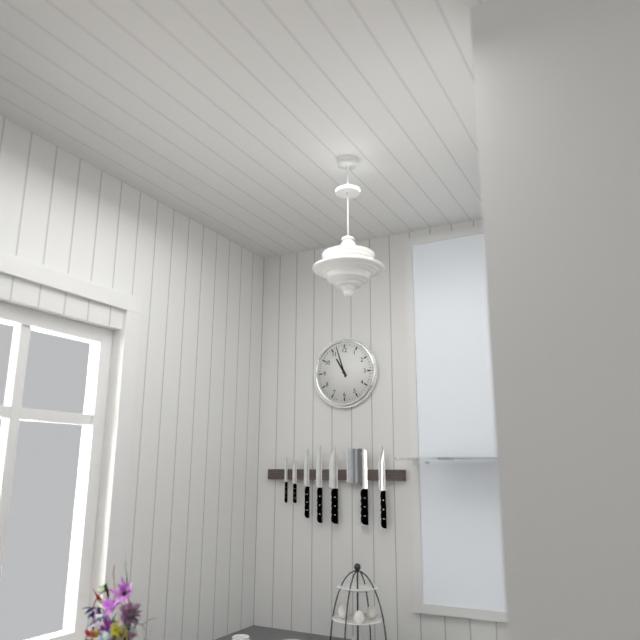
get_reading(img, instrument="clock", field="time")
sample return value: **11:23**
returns **10:57**
